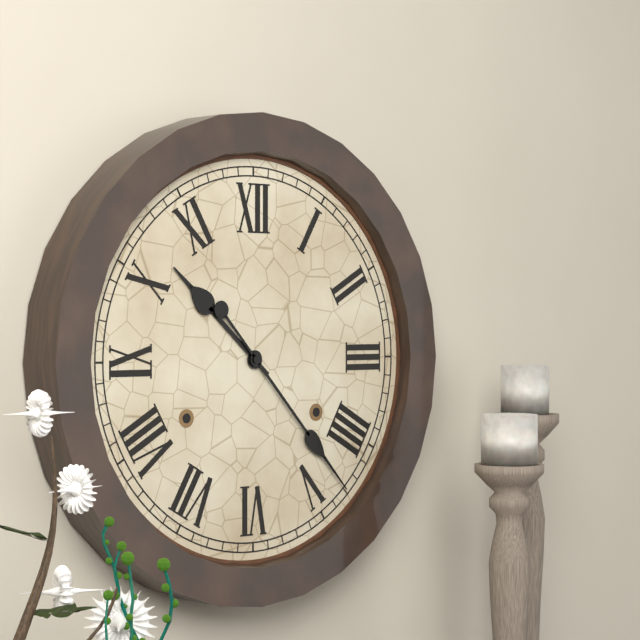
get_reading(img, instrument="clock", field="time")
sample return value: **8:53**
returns **10:23**
